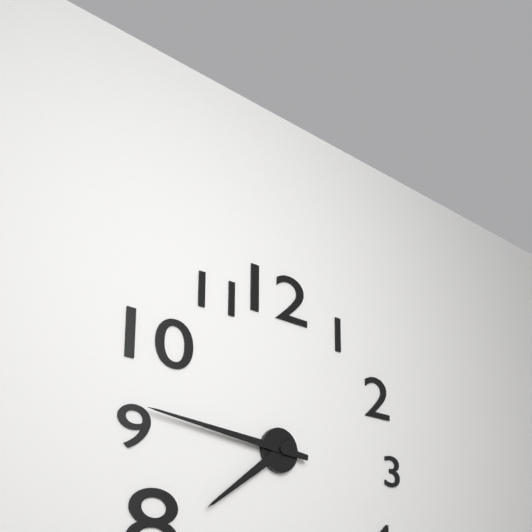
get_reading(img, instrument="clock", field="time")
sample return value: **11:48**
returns **7:46**
